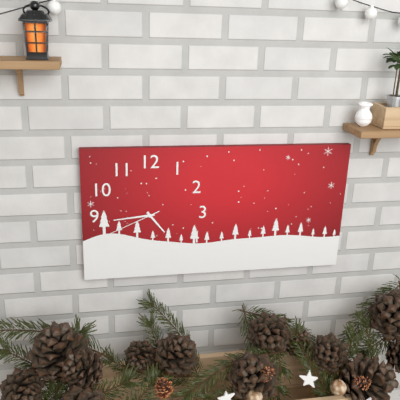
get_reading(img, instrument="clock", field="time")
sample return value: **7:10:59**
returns **4:44:41**
